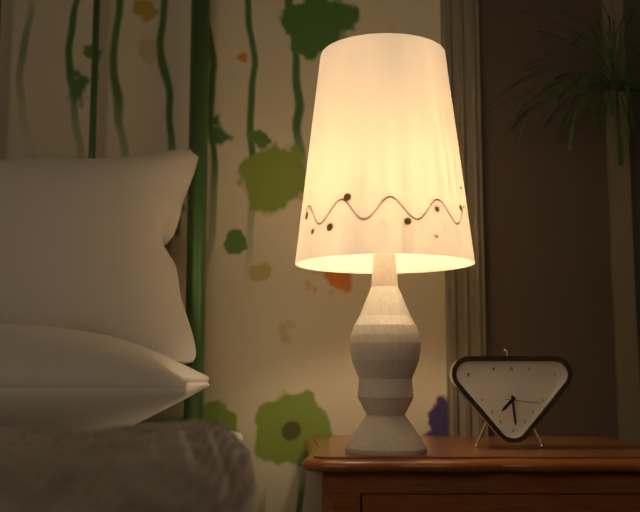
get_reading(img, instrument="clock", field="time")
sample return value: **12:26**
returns **7:29**
